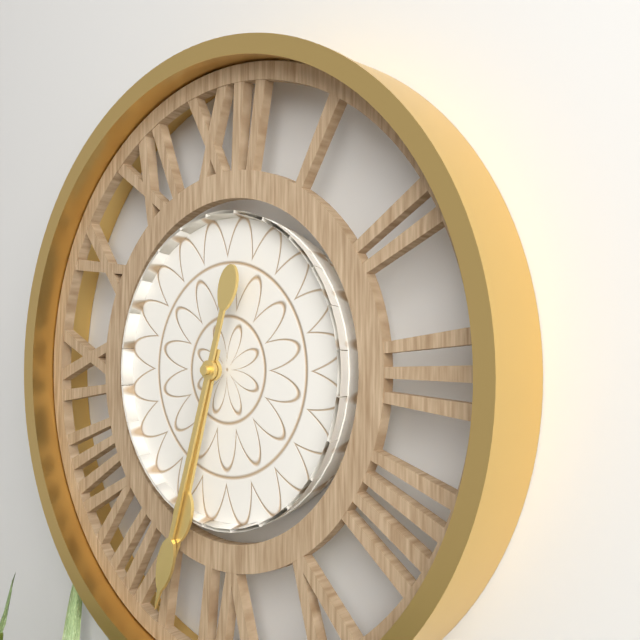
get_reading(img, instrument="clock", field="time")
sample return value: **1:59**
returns **6:33**
